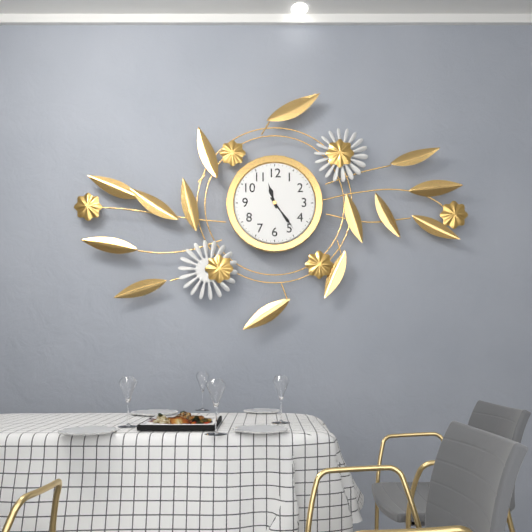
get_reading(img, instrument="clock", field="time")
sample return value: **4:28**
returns **11:24**
